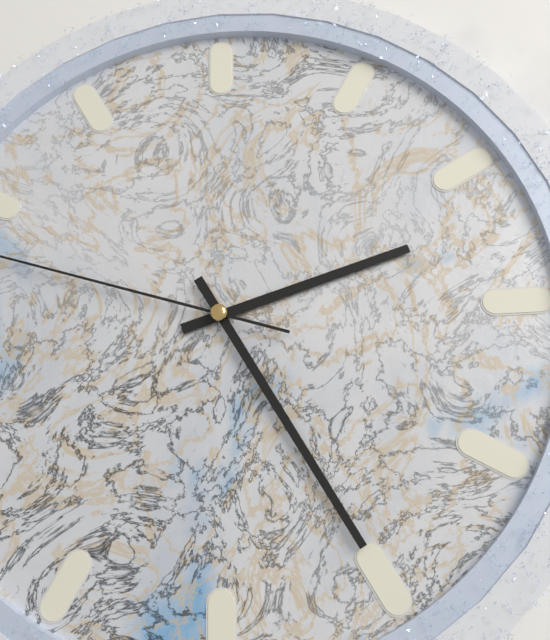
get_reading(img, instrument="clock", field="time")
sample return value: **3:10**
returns **2:25**
